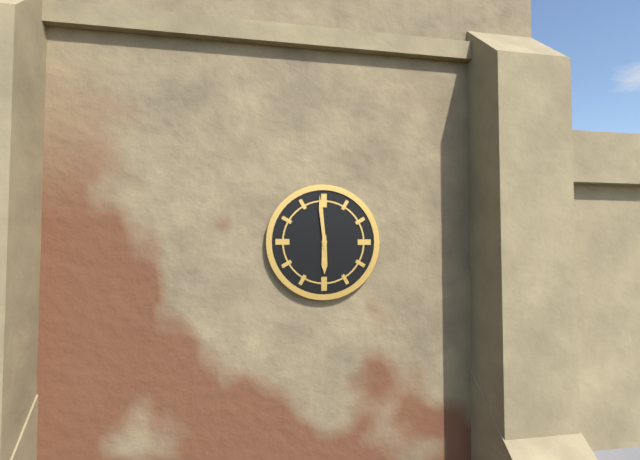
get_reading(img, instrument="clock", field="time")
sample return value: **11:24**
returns **5:59**
